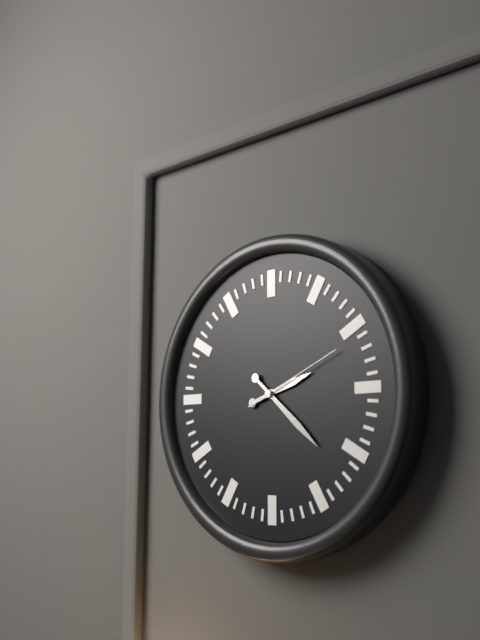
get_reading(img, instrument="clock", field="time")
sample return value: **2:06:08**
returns **2:22:11**
